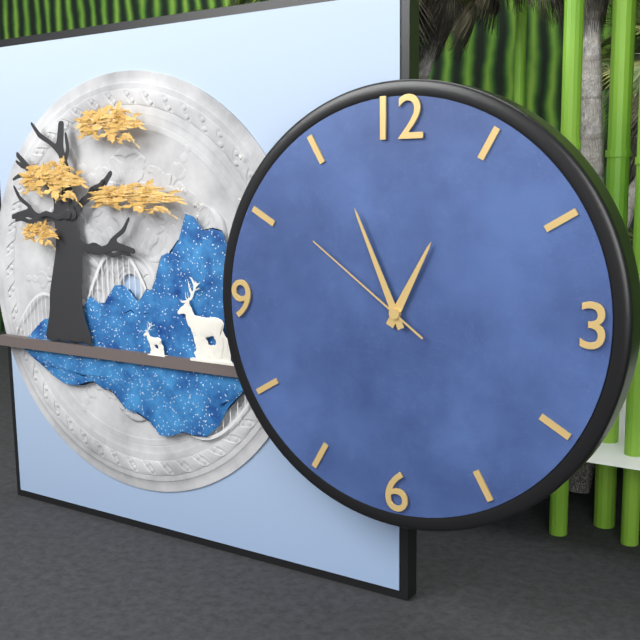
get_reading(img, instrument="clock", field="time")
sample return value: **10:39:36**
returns **12:56:51**
